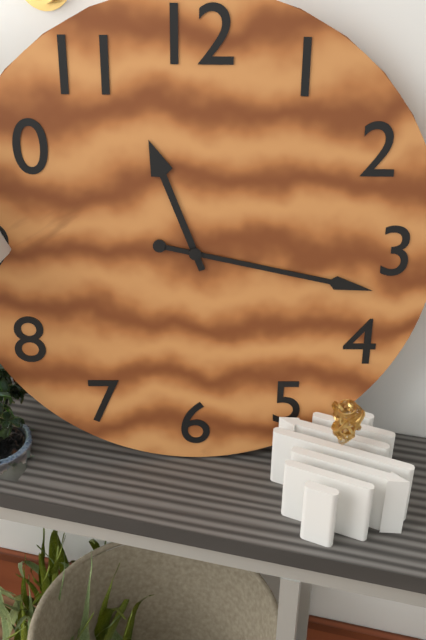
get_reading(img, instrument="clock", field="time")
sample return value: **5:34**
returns **11:17**
